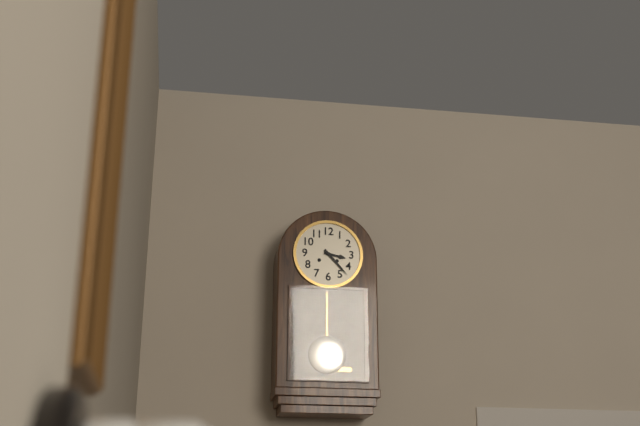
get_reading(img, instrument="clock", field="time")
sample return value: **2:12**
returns **3:23**
